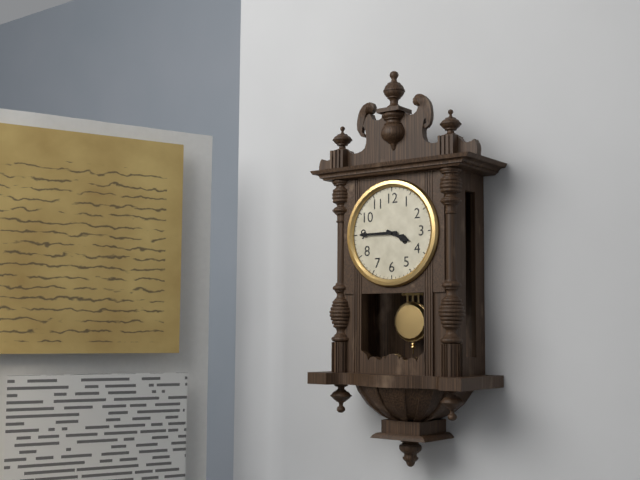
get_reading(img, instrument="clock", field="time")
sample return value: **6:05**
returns **3:45**
